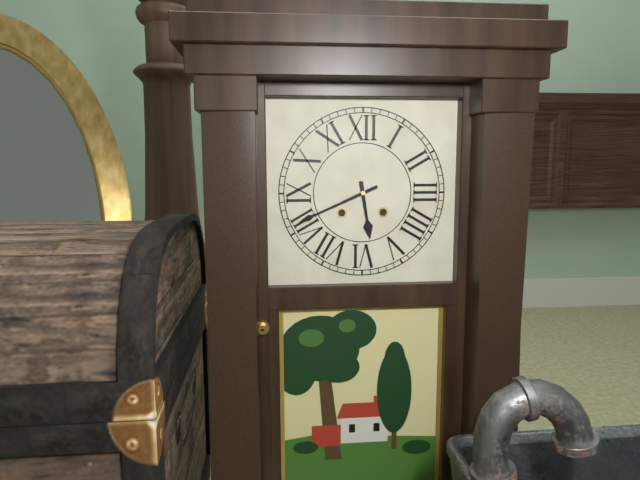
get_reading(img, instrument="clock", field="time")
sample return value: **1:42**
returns **5:41**
